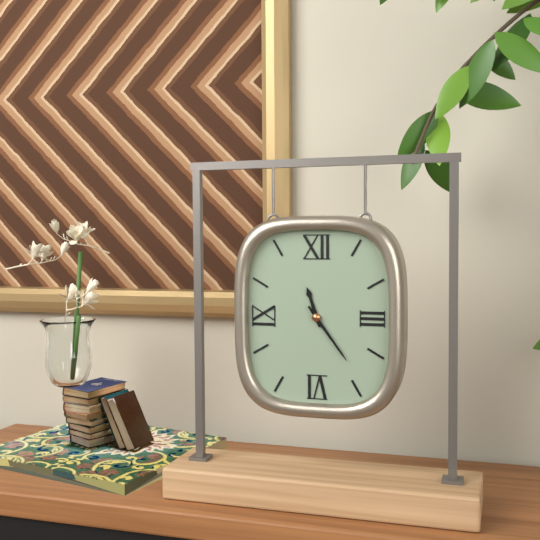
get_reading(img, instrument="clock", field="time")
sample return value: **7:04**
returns **11:24**
